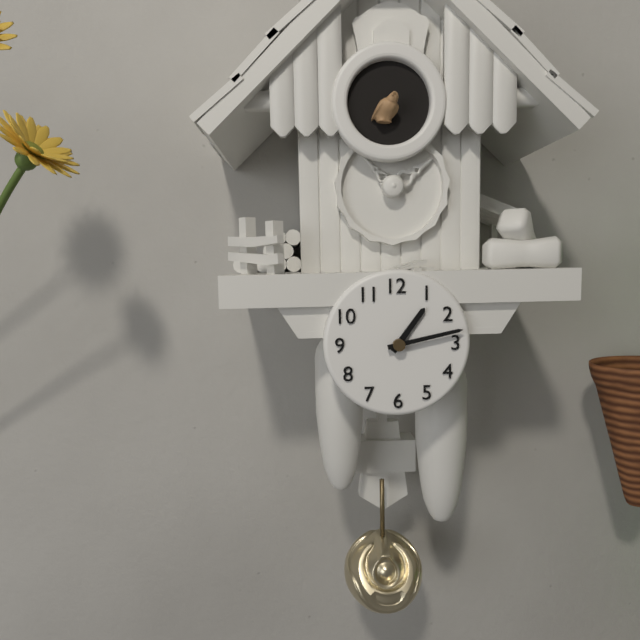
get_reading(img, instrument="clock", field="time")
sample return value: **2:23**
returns **1:13**
